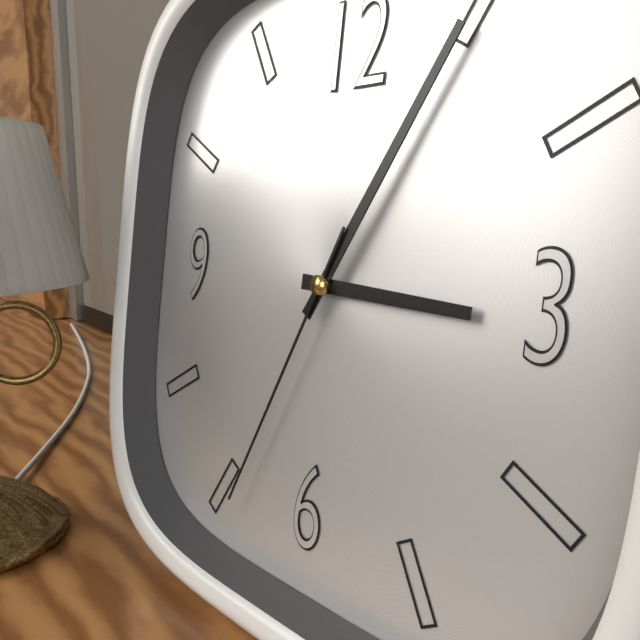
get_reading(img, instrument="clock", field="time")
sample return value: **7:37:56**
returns **3:05:34**
